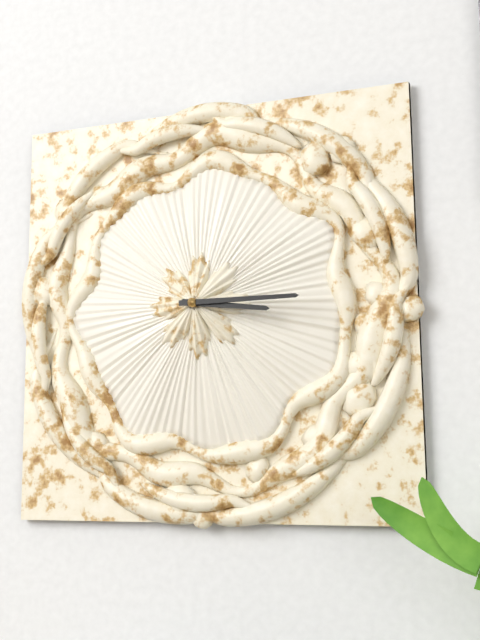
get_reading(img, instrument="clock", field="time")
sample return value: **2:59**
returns **3:15**
